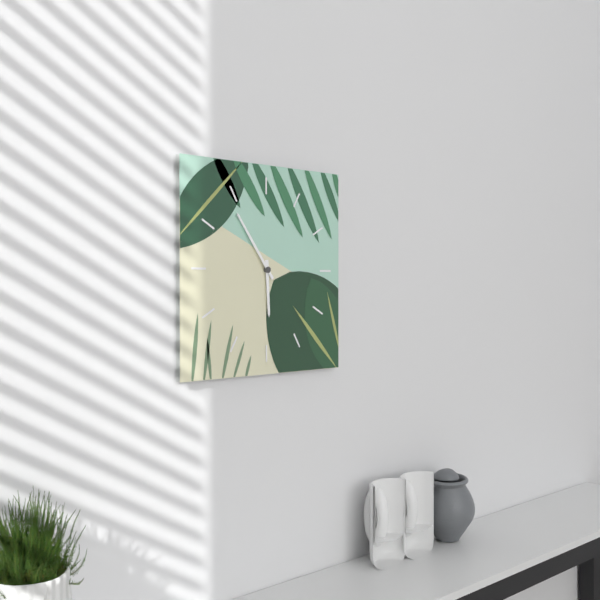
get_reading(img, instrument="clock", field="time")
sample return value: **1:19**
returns **5:54**
